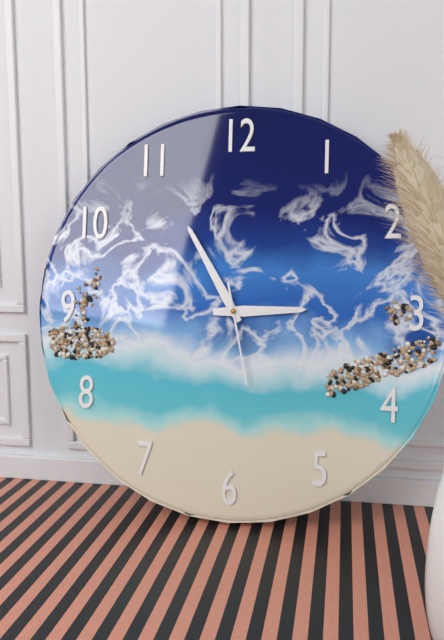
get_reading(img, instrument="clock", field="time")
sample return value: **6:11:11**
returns **2:55:28**
